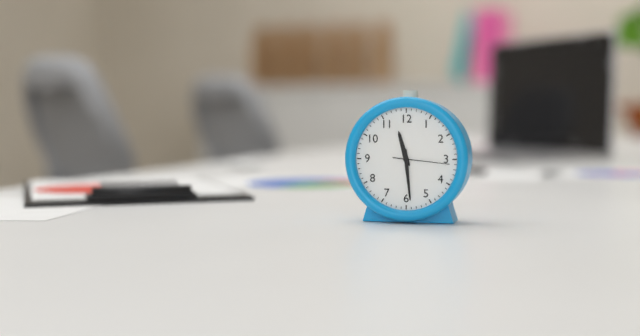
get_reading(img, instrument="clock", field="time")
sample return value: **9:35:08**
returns **11:29:16**
